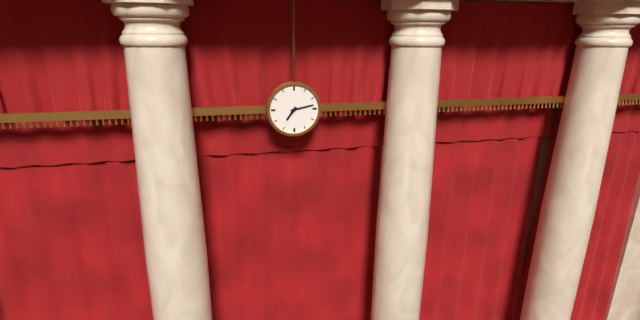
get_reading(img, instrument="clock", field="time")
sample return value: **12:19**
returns **7:13**
